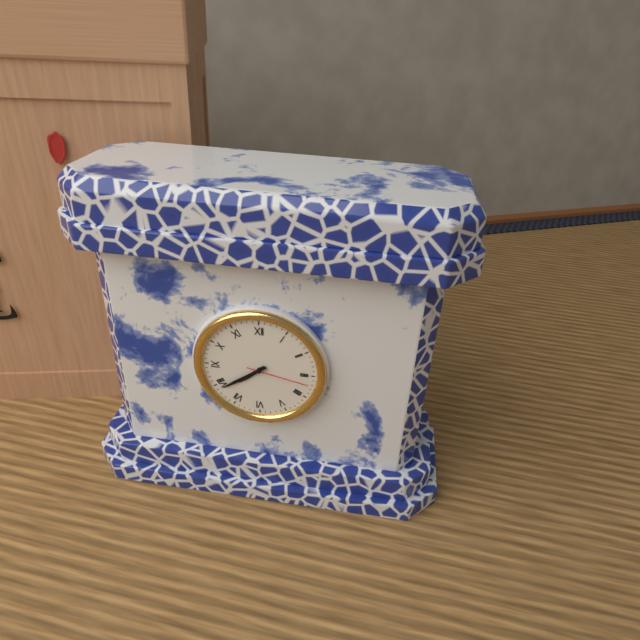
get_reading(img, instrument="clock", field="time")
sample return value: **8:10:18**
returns **7:39:17**
